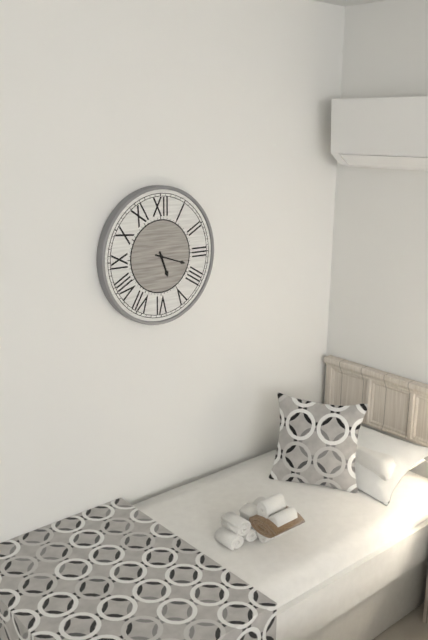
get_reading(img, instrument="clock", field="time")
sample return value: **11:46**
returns **5:18**
